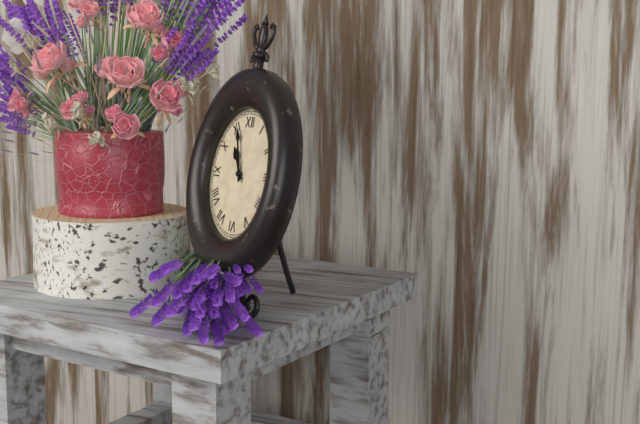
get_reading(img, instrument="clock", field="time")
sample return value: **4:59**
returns **10:57**
